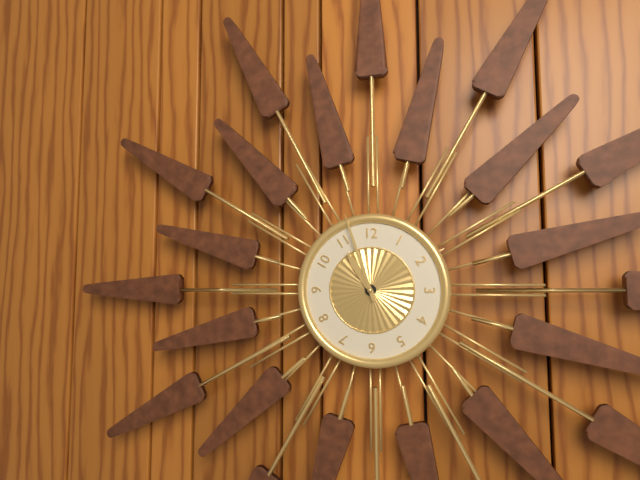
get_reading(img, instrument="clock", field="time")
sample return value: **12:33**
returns **10:57**
